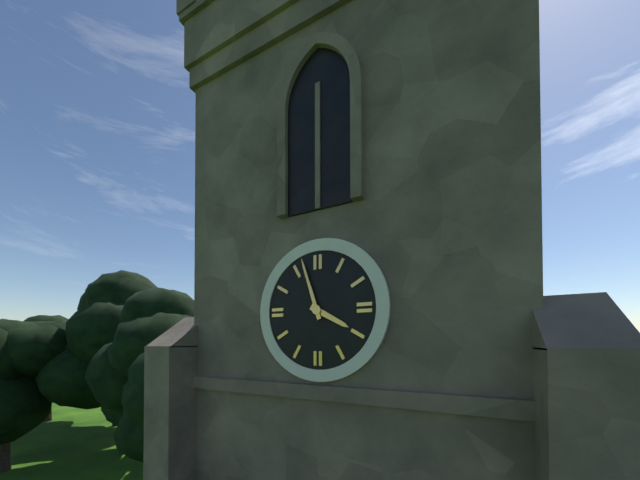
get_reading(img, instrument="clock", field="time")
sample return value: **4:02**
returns **3:57**
